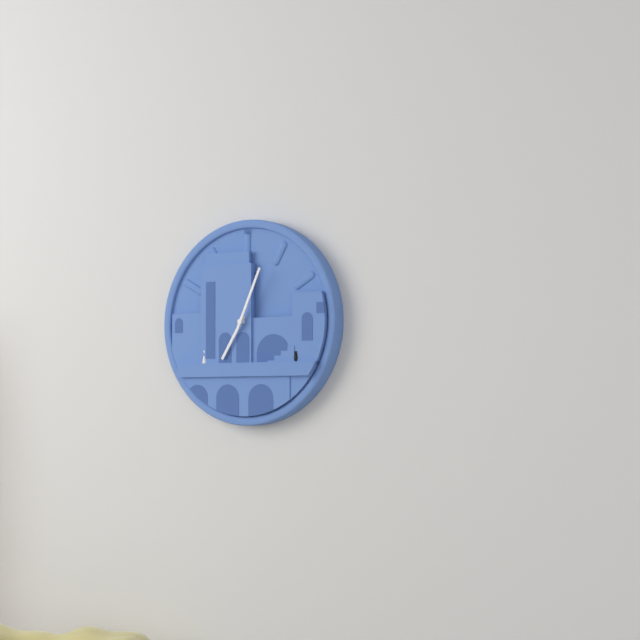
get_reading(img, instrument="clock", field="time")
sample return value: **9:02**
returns **7:04**
